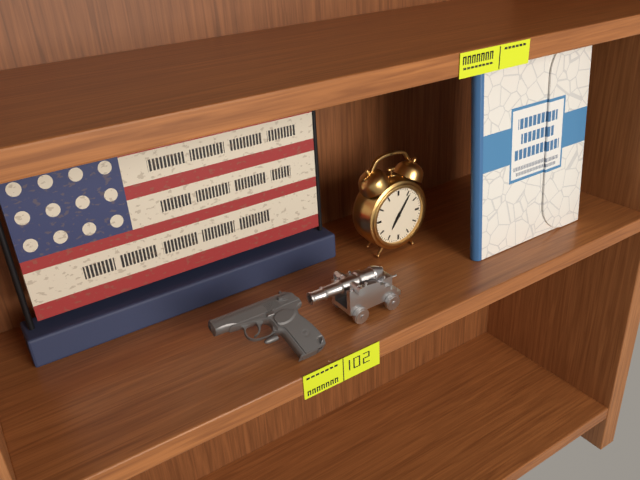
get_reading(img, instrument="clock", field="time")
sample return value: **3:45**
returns **7:06**
